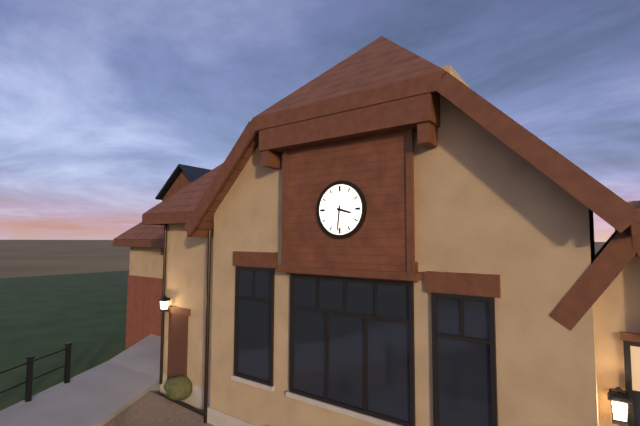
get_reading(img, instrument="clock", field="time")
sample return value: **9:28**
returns **3:31**
